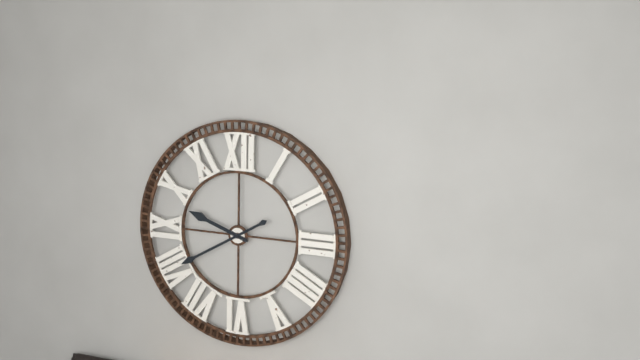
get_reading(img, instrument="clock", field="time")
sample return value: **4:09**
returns **9:40**
